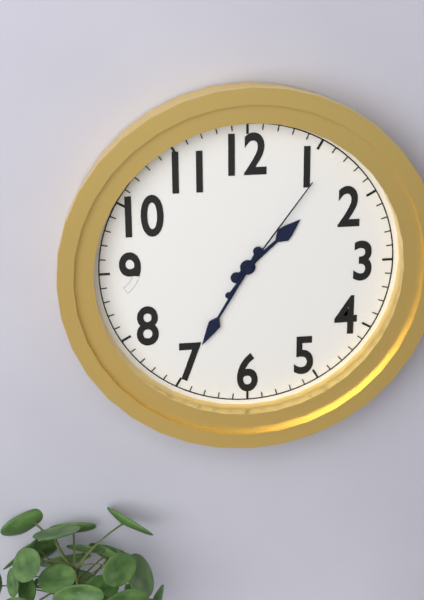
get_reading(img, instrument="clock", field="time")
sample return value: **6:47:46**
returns **1:35:06**
